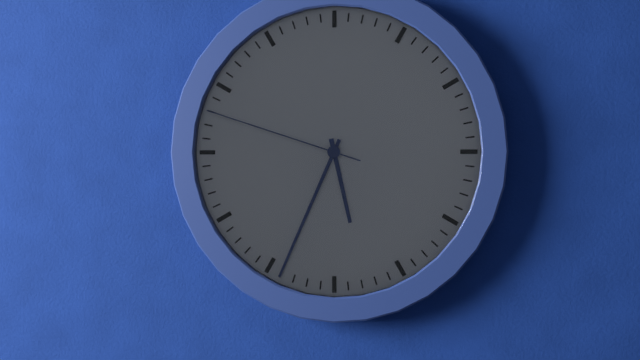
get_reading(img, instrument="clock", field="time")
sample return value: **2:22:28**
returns **5:34:48**
